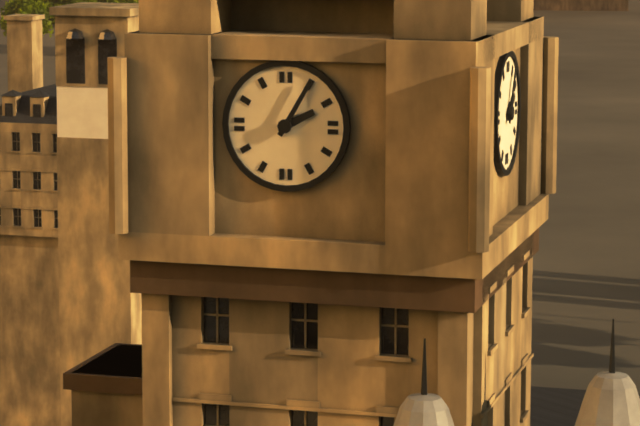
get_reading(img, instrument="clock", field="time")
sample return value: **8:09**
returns **2:05**
